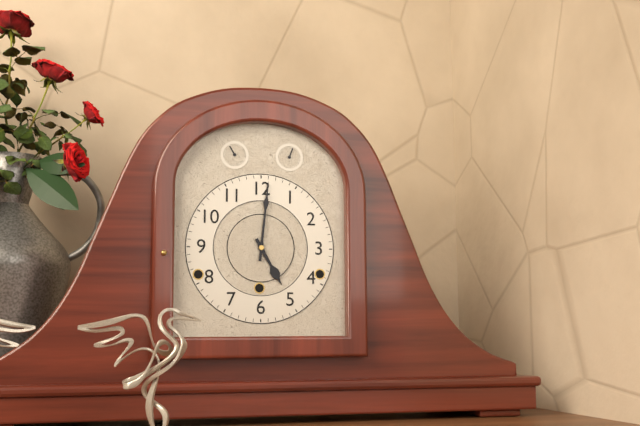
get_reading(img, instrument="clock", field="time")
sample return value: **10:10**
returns **5:01**
